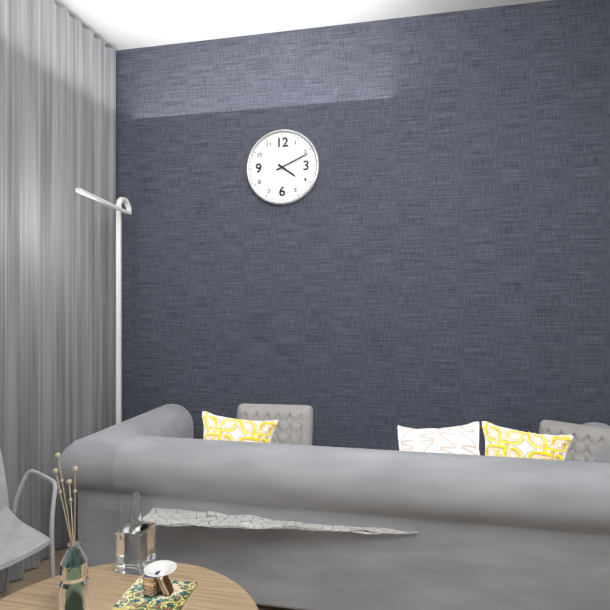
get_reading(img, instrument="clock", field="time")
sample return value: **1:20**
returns **4:11**
